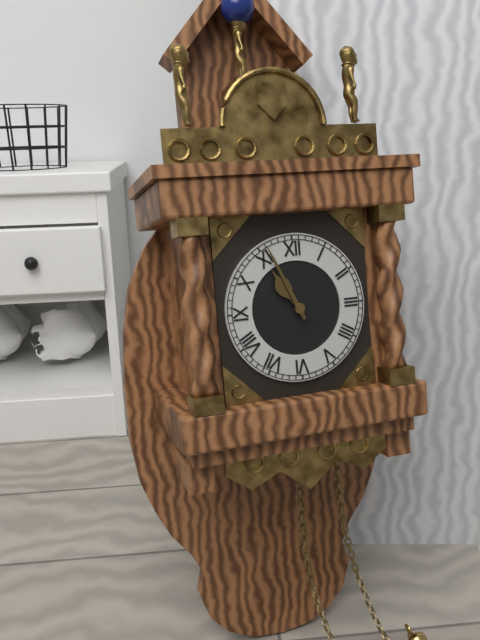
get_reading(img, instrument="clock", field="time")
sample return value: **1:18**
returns **10:56**
